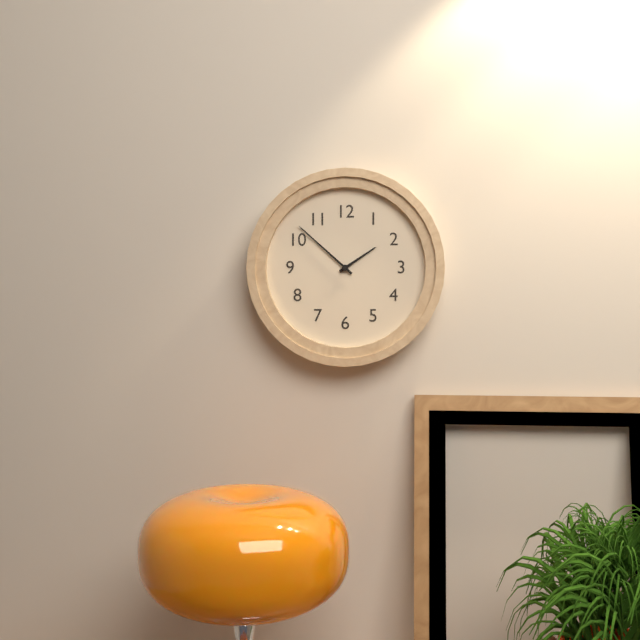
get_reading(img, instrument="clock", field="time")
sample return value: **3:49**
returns **1:52**
